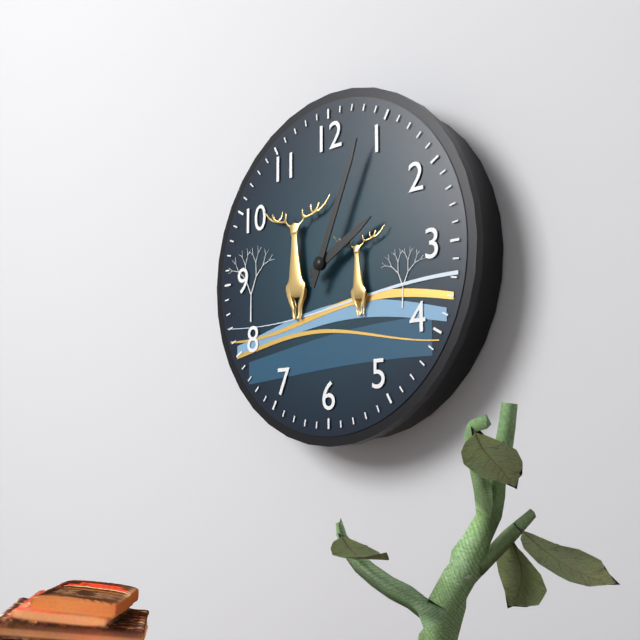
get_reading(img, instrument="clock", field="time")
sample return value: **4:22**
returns **2:04**
